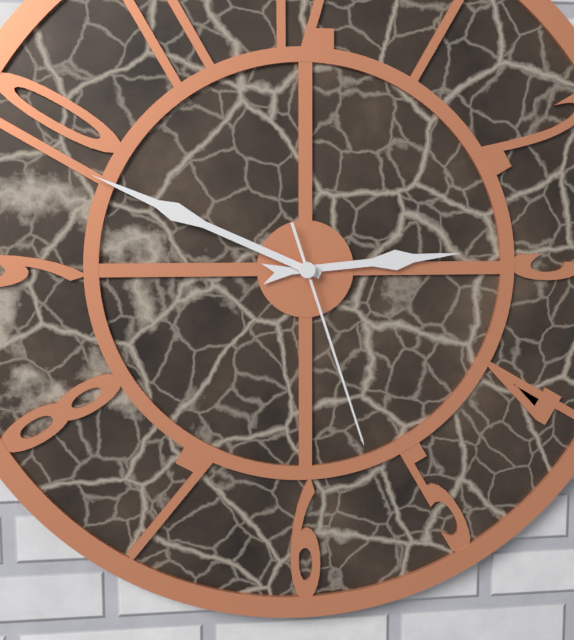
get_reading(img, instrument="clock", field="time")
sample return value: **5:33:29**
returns **2:49:27**
